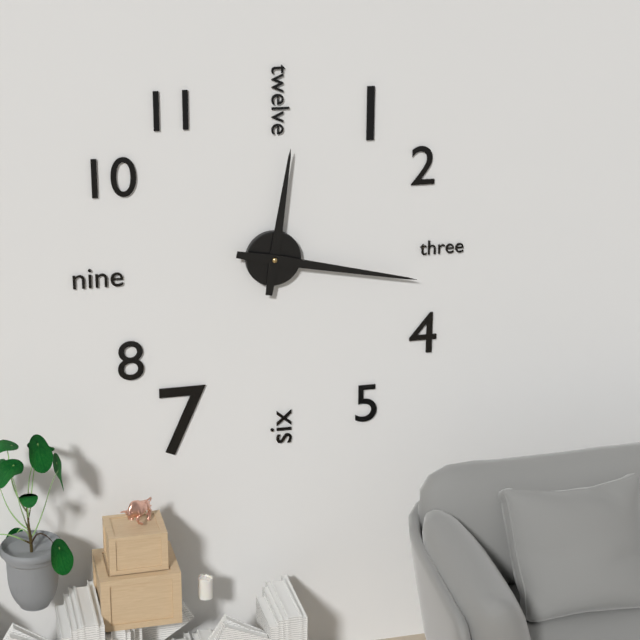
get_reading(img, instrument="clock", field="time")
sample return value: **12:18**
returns **12:17**
